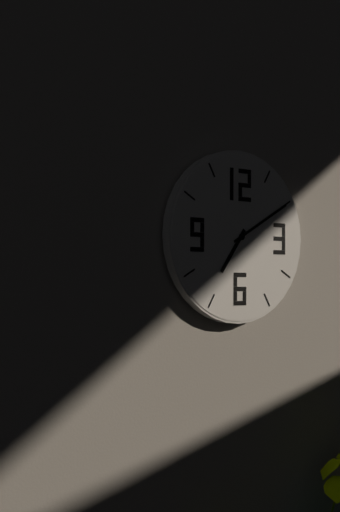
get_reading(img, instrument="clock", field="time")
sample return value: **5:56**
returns **7:10**
